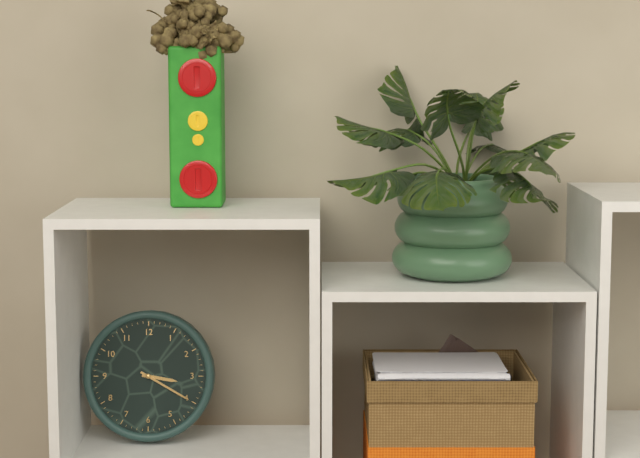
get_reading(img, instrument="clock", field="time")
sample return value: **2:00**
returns **3:20**
